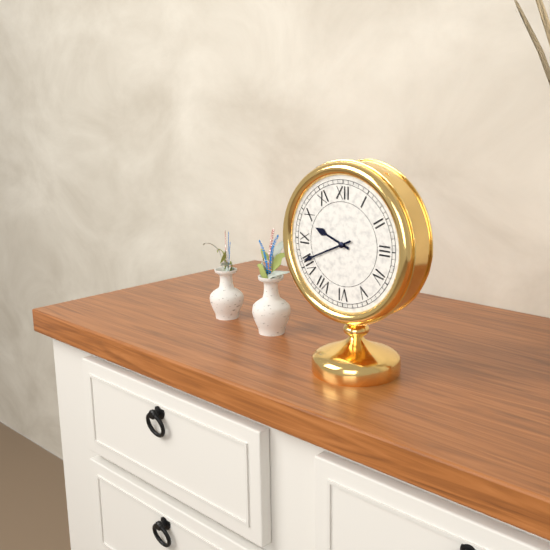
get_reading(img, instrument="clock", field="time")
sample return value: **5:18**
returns **9:41**
